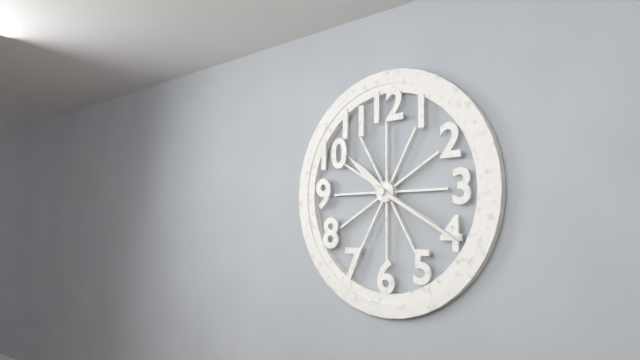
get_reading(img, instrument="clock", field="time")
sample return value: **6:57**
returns **10:20**
